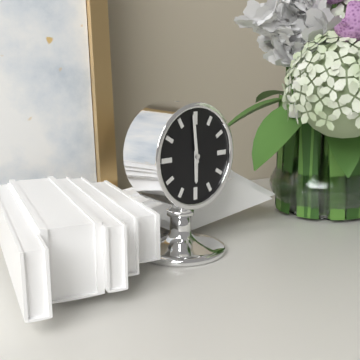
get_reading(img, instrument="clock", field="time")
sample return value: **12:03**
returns **5:59**
